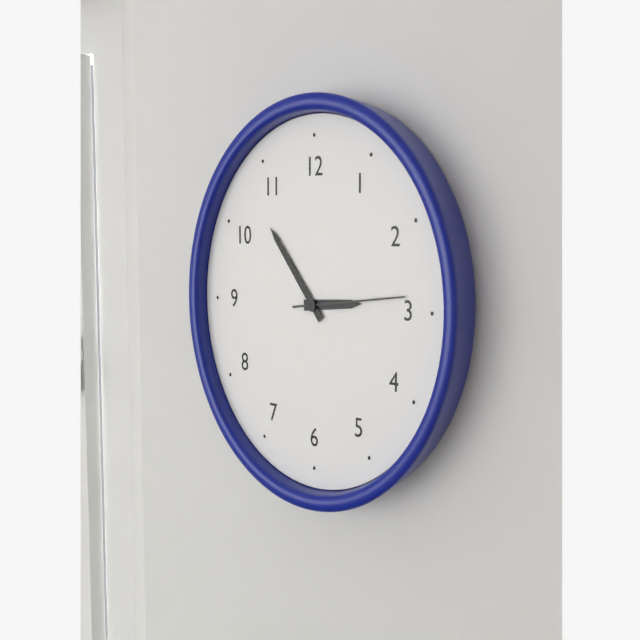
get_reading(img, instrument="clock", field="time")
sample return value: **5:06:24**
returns **2:53:14**
